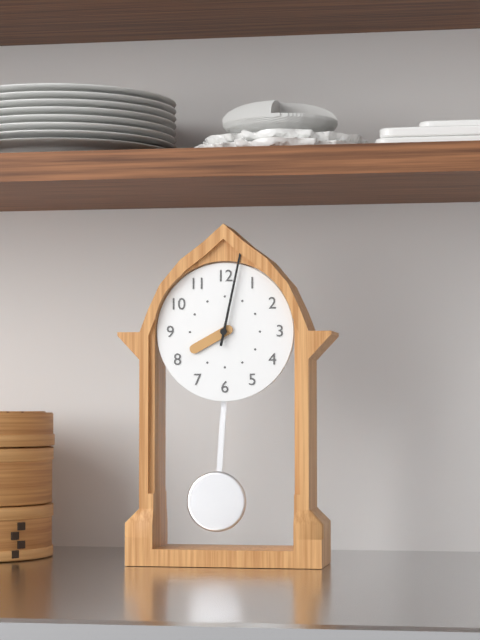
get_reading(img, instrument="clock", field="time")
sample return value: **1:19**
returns **8:02**
